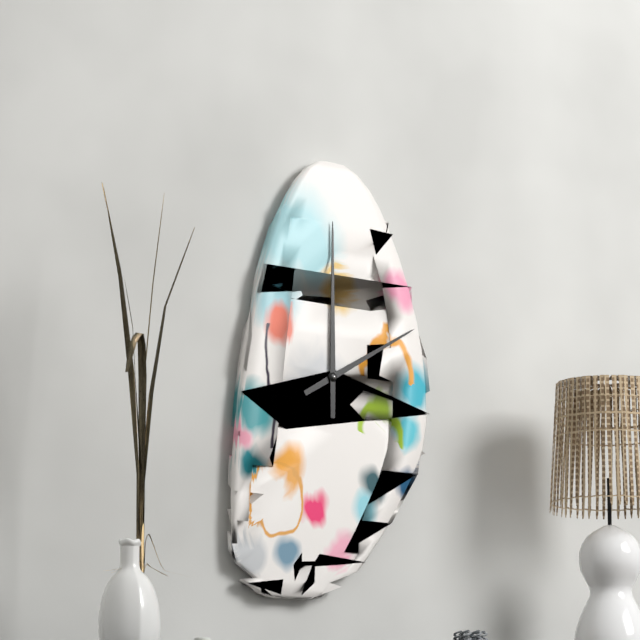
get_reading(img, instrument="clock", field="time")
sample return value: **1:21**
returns **2:00**
